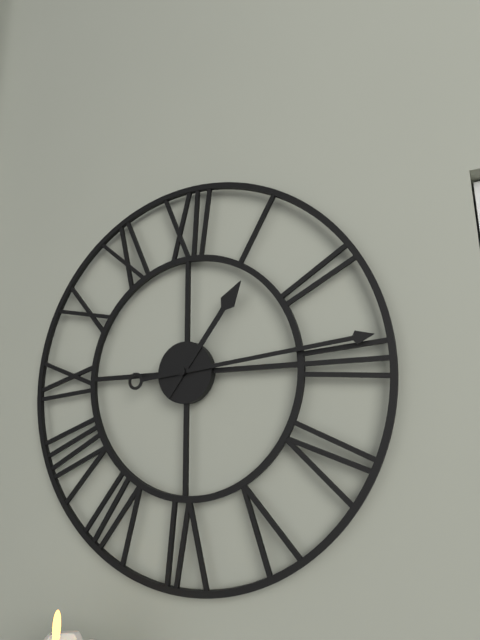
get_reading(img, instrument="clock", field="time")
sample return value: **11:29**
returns **1:14**
